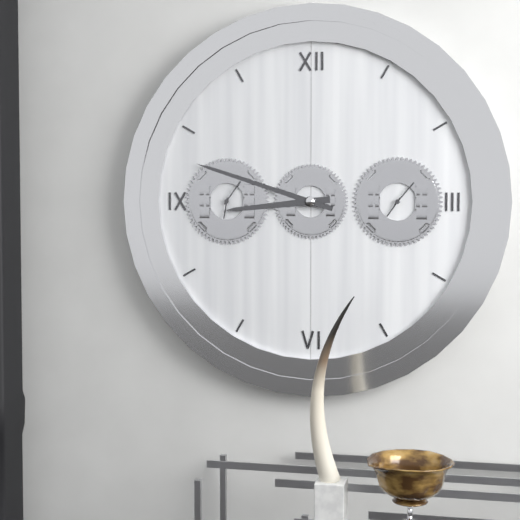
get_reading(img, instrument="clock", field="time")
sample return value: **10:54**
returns **8:48**
